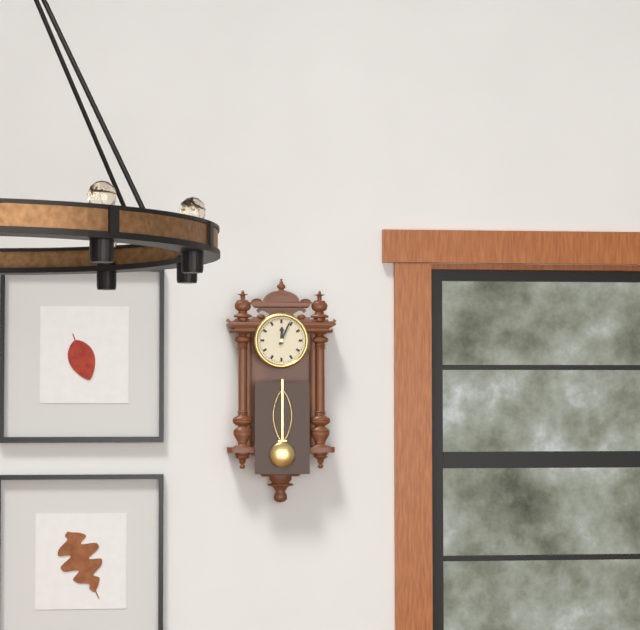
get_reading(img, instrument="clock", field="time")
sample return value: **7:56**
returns **12:04**
